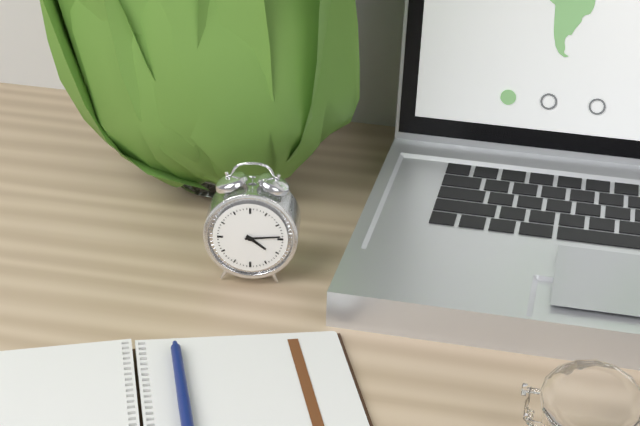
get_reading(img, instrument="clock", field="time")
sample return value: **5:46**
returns **4:14**
